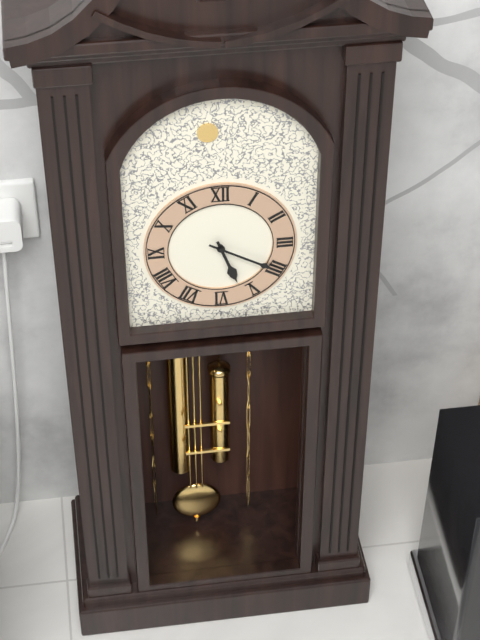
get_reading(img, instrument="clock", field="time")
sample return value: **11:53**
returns **5:20**
